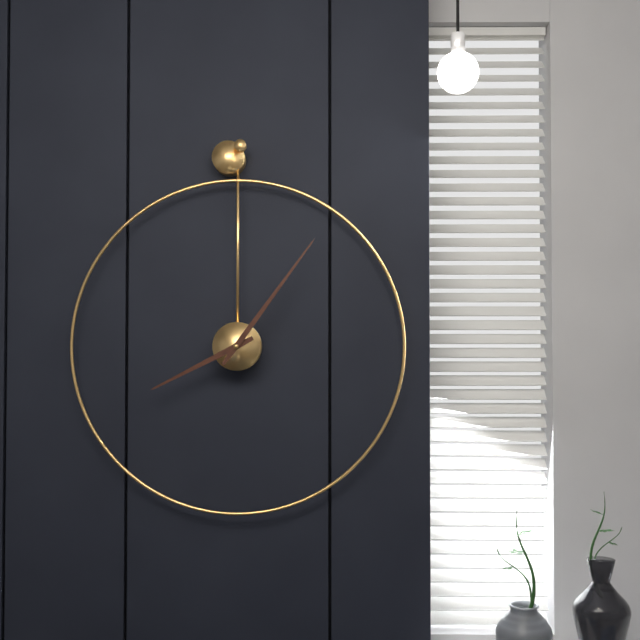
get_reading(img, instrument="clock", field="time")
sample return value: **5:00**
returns **8:06**
